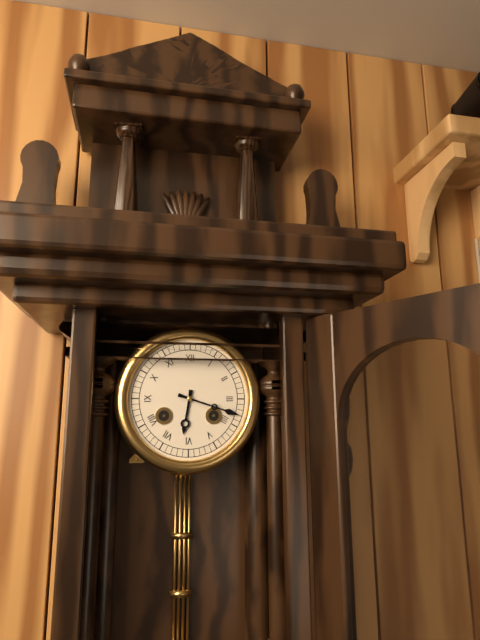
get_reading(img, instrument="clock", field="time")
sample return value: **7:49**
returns **6:18**
